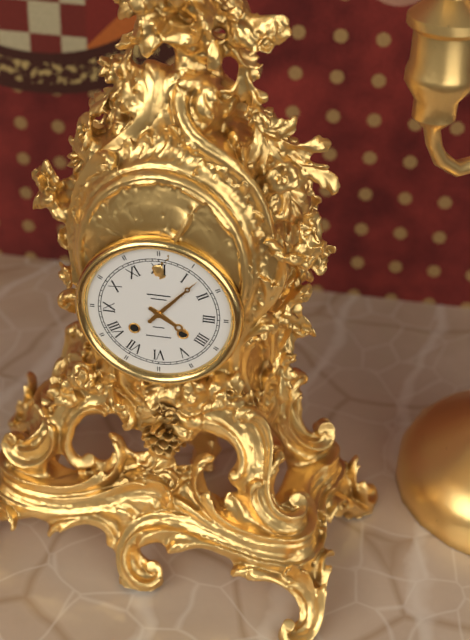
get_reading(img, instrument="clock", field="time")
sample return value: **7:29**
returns **4:07**
